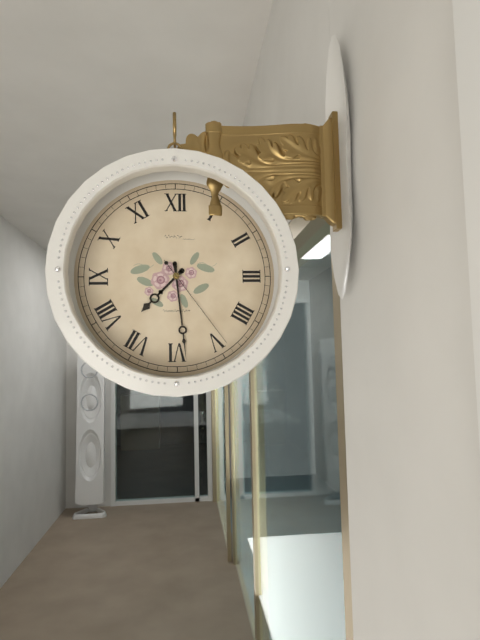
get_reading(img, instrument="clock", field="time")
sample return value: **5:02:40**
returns **7:29:24**
